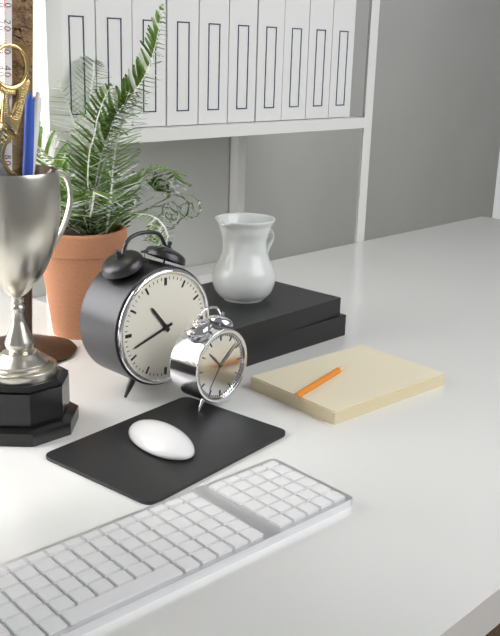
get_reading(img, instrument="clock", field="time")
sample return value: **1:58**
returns **10:42**
